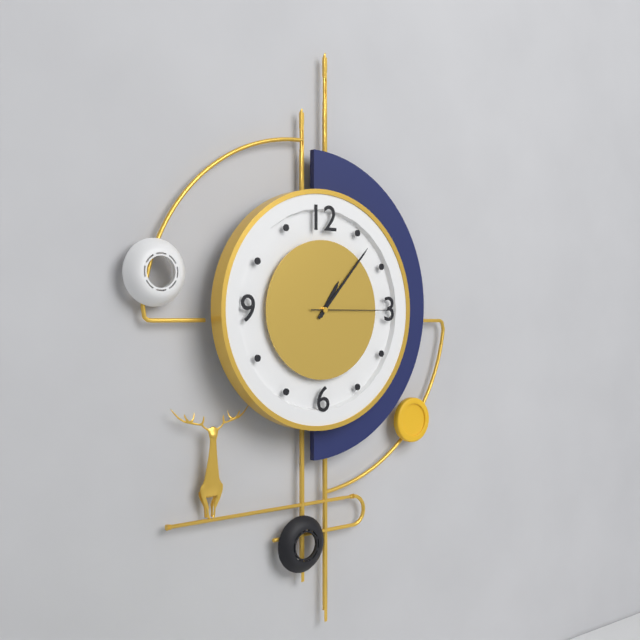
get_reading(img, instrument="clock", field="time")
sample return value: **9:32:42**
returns **1:07:15**
